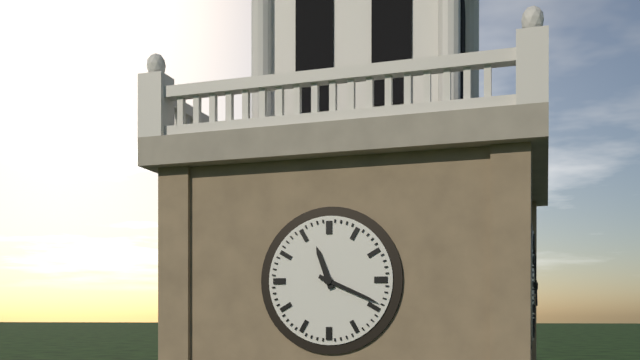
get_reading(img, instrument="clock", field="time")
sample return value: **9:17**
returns **11:19**
